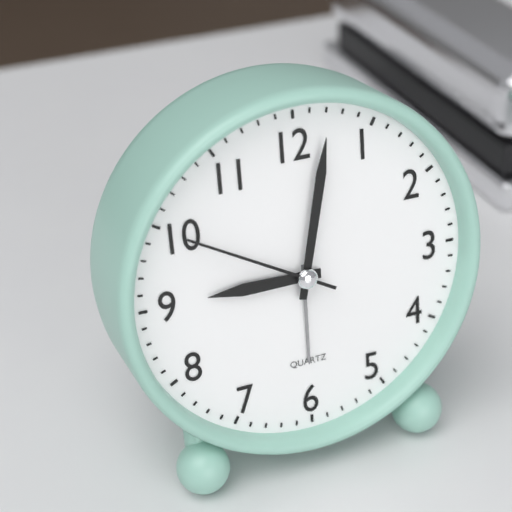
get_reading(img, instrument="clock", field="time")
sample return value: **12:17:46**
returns **9:02:50**
